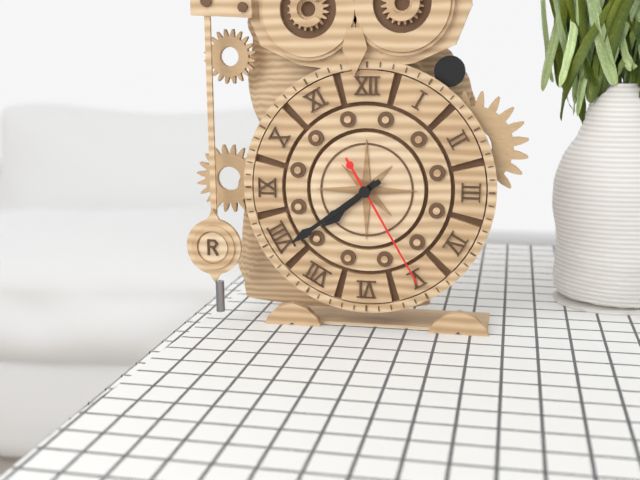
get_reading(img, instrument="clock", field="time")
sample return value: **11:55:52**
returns **7:39:25**
